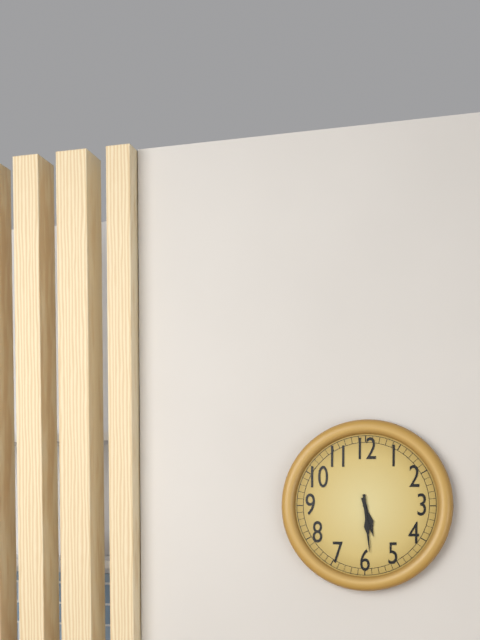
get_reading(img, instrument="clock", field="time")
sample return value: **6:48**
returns **5:29**
